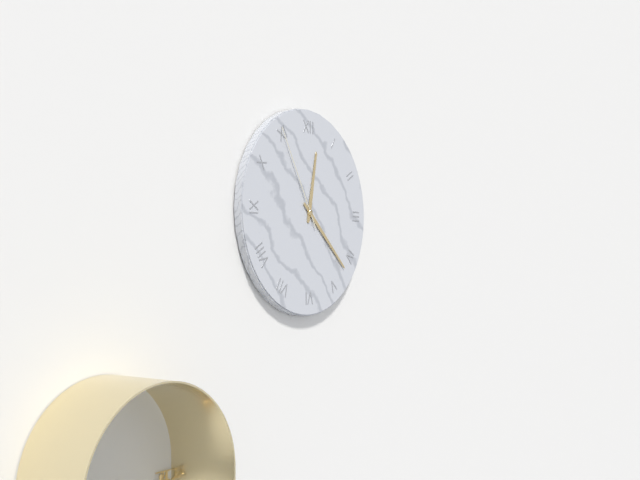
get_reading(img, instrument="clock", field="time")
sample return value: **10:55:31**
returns **12:22:55**
